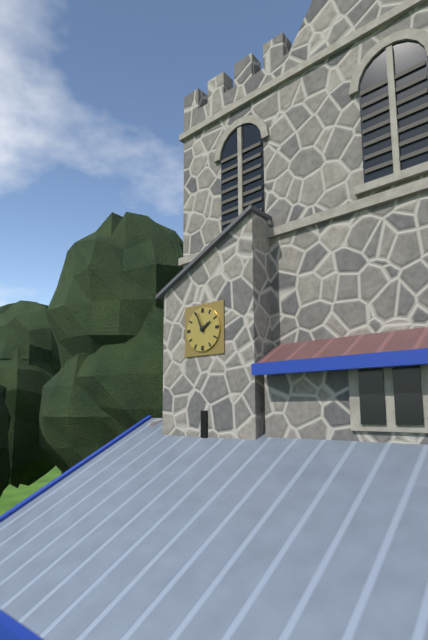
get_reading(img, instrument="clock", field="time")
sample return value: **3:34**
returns **1:56**
